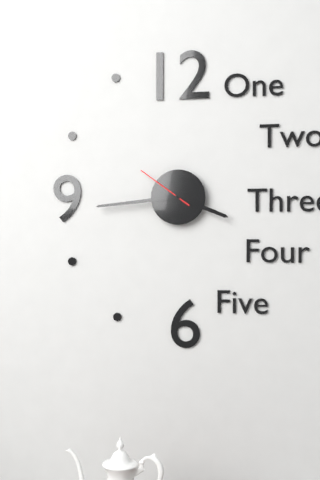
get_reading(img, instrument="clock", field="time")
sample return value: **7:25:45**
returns **3:44:51**
